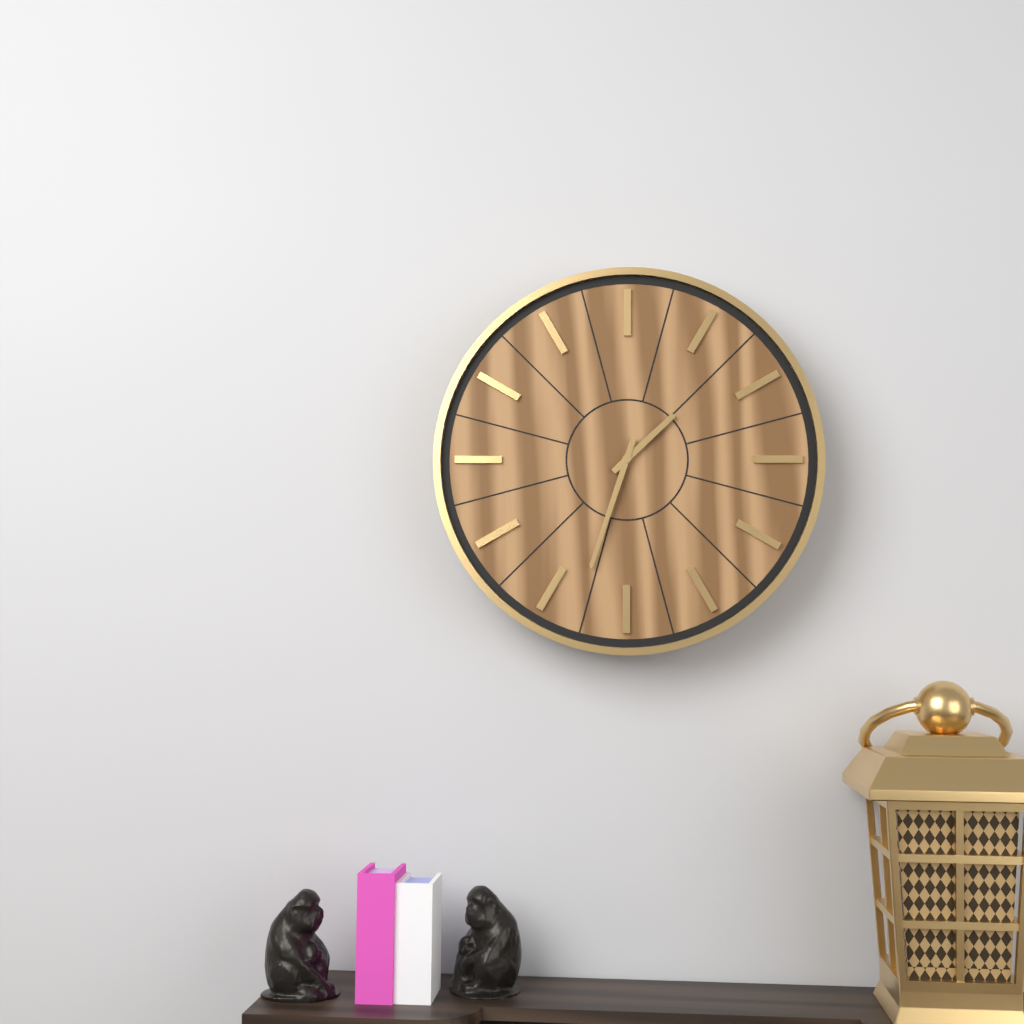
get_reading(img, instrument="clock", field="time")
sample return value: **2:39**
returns **1:33**
